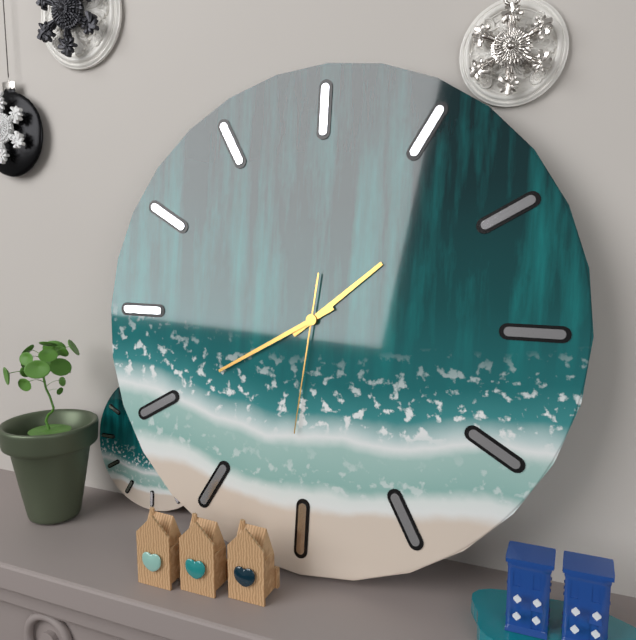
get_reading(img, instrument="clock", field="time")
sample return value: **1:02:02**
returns **1:40:31**
